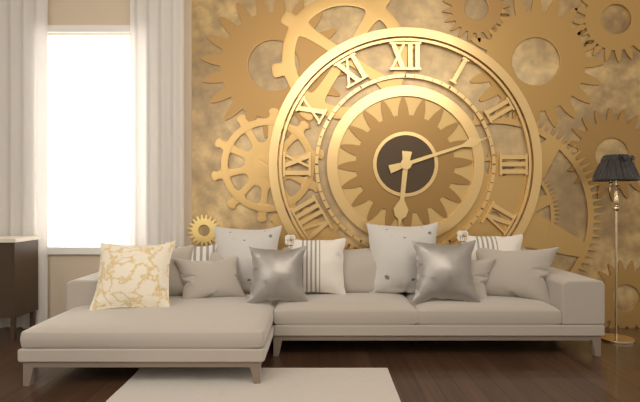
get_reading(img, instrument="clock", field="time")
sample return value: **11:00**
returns **6:12**
